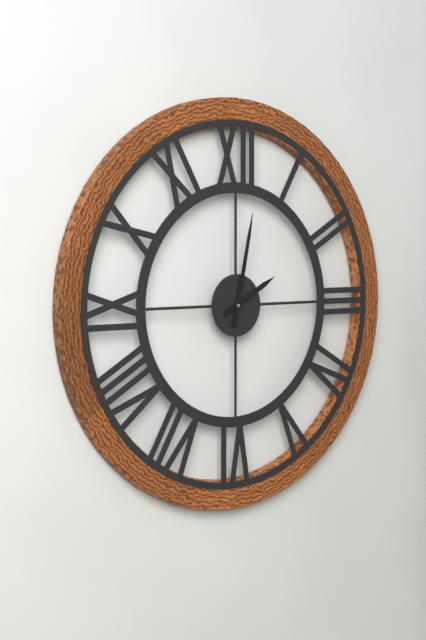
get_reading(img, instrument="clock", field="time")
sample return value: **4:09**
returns **2:02**
